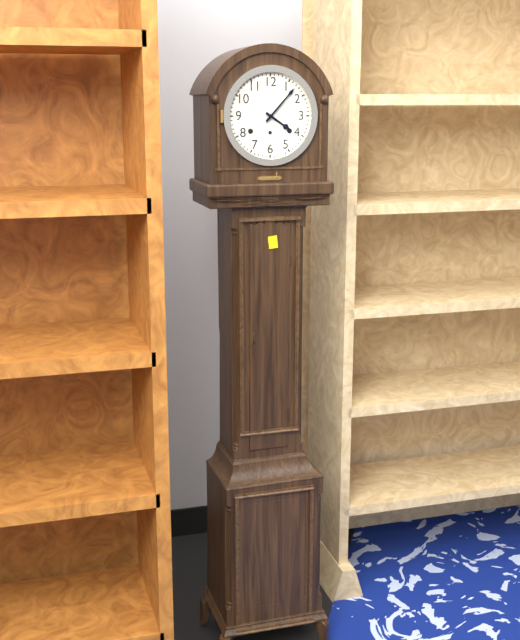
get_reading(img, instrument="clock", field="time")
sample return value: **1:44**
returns **4:07**
